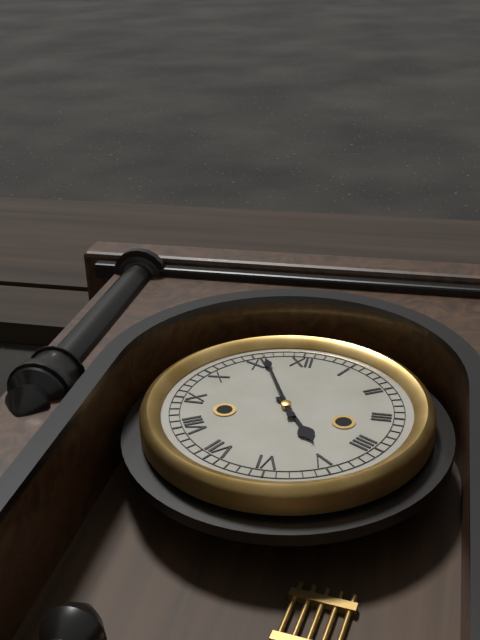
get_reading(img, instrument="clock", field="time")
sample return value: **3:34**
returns **4:56**
